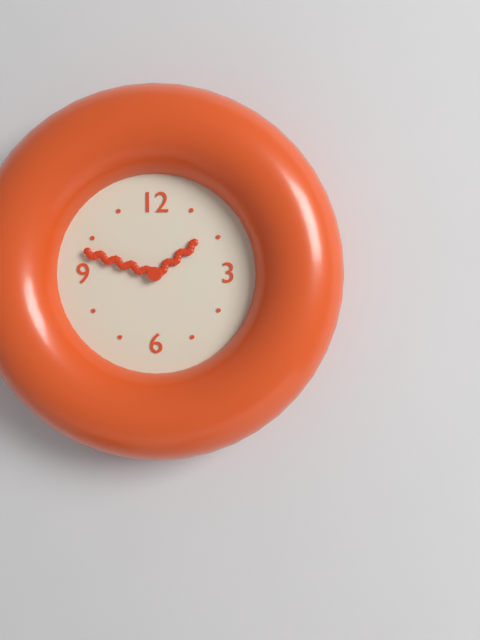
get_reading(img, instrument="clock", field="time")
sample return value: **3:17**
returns **1:48**
